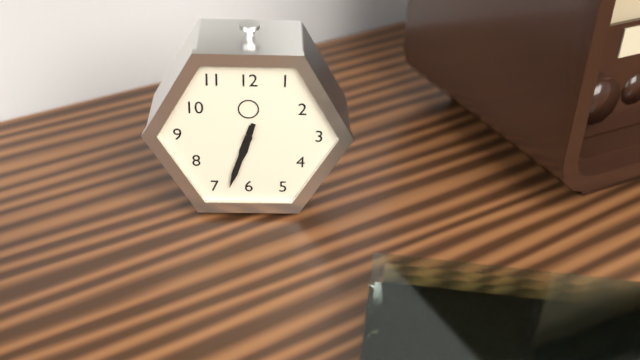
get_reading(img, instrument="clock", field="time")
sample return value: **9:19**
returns **6:33**
